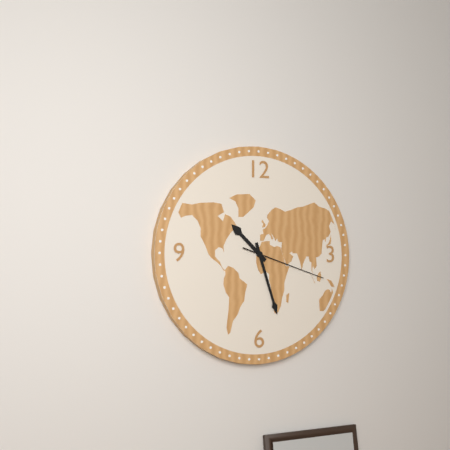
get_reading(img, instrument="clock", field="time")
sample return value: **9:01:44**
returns **10:27:18**
